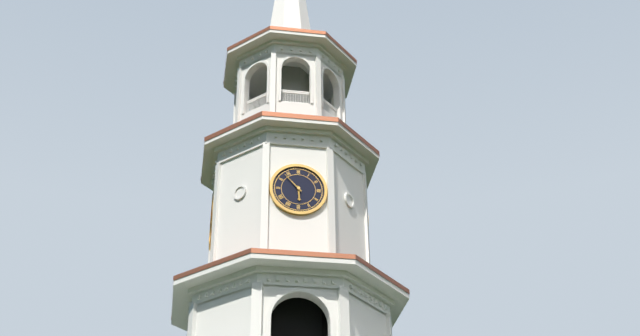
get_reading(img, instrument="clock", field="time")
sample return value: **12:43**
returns **5:53**
